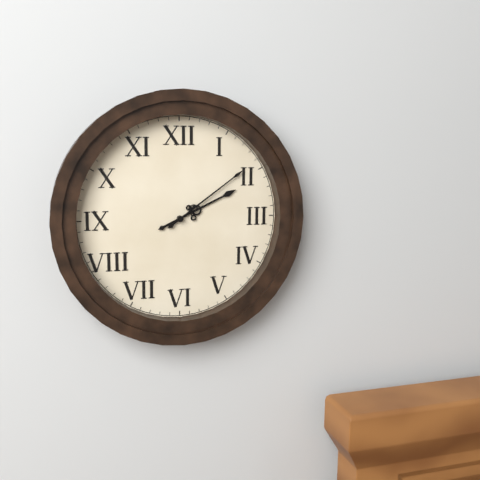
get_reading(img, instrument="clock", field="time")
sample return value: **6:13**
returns **2:09**
